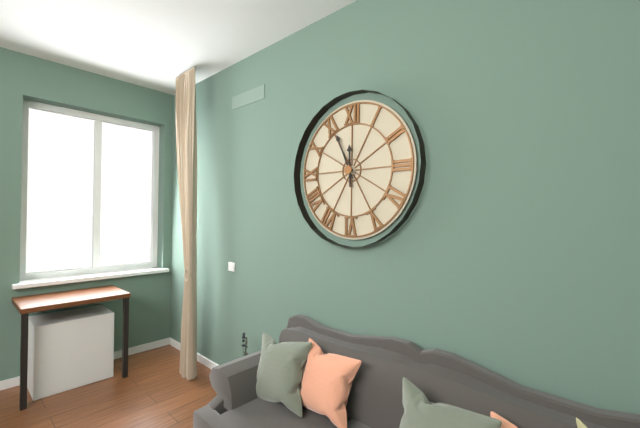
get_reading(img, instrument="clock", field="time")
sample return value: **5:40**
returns **11:56**
